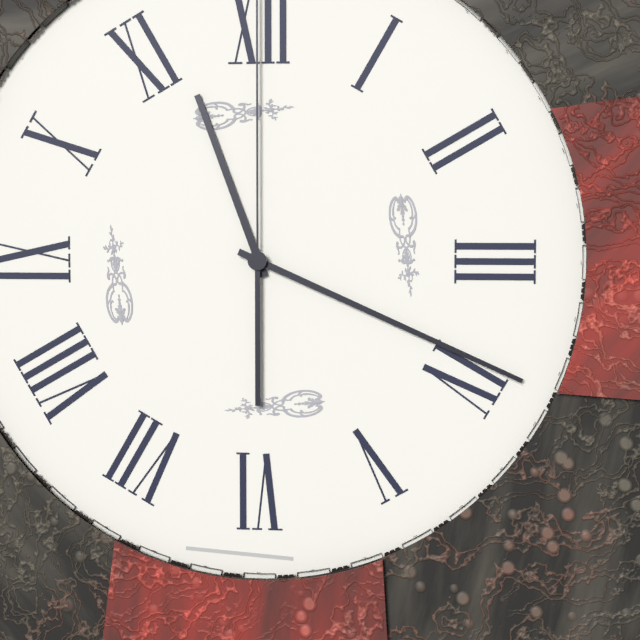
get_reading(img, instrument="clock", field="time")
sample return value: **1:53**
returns **11:19**
